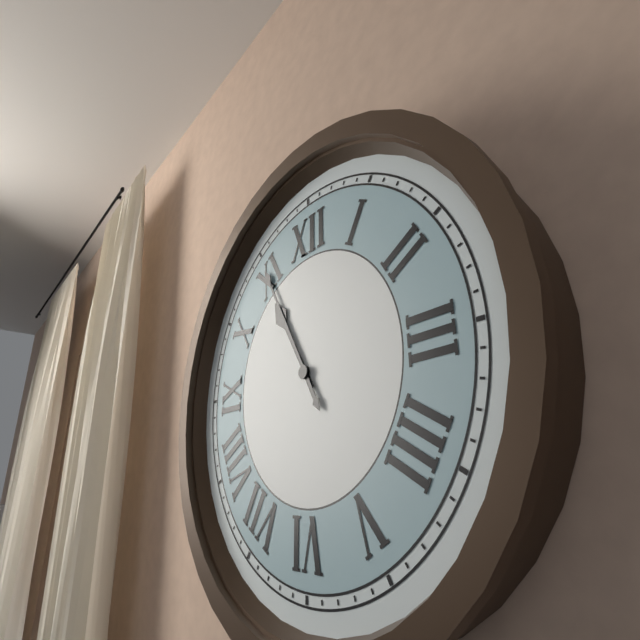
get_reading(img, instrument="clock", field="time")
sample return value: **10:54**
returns **10:55**
